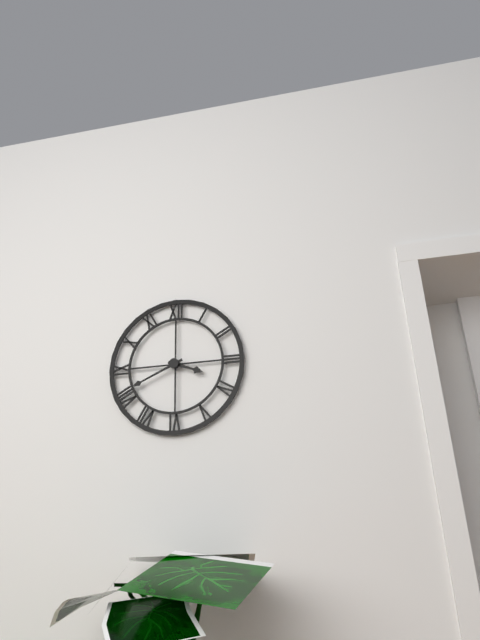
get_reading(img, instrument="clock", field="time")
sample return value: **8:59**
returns **3:41**
